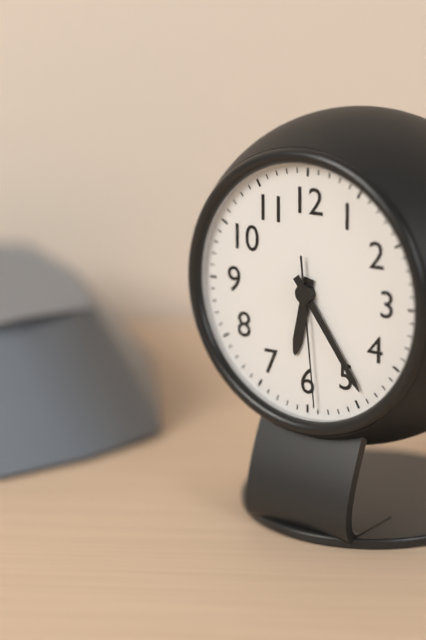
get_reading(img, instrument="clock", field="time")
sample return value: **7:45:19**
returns **6:24:29**
